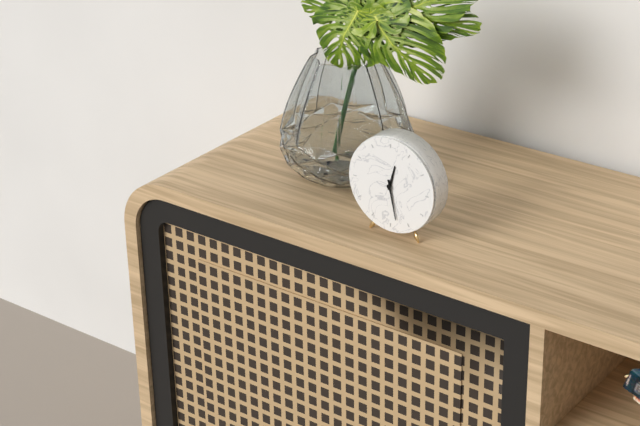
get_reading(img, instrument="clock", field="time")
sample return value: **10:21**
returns **12:28**
